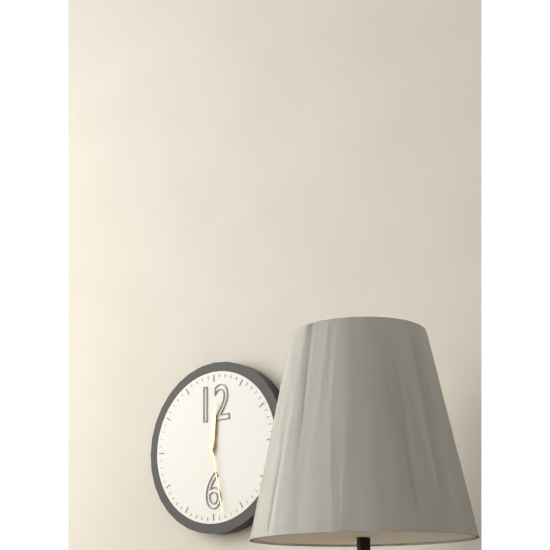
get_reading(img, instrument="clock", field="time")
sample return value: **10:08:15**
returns **12:01:28**
